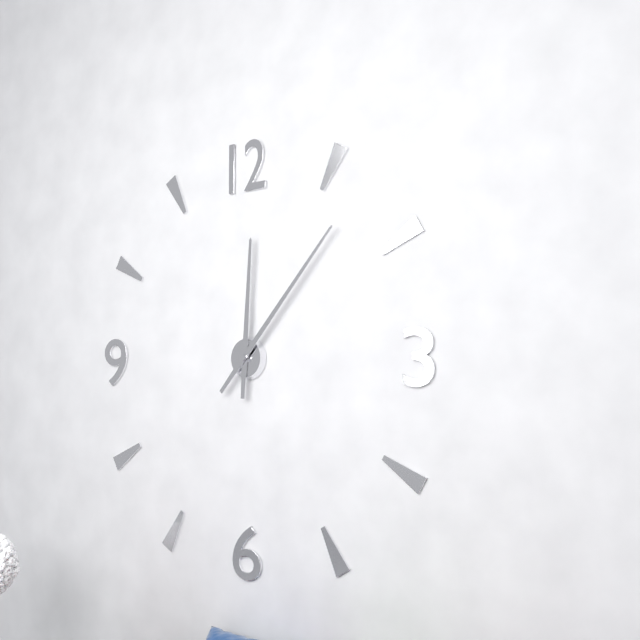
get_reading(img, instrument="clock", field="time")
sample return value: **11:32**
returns **12:07**
